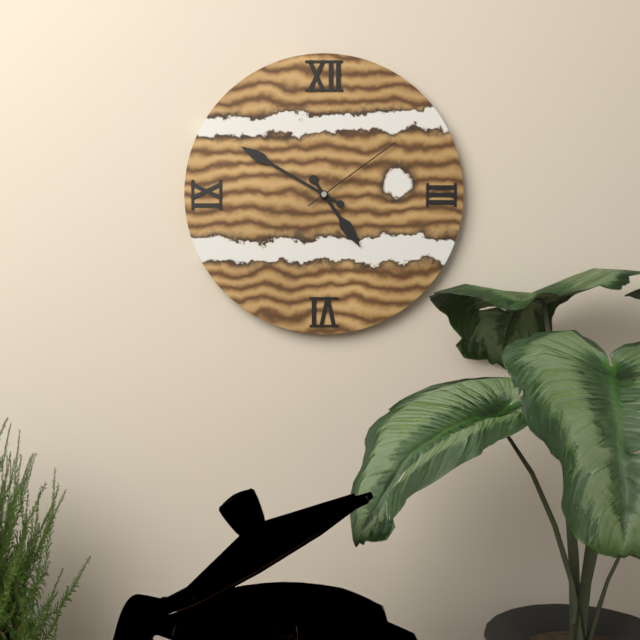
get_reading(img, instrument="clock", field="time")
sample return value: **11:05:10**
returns **4:50:09**
